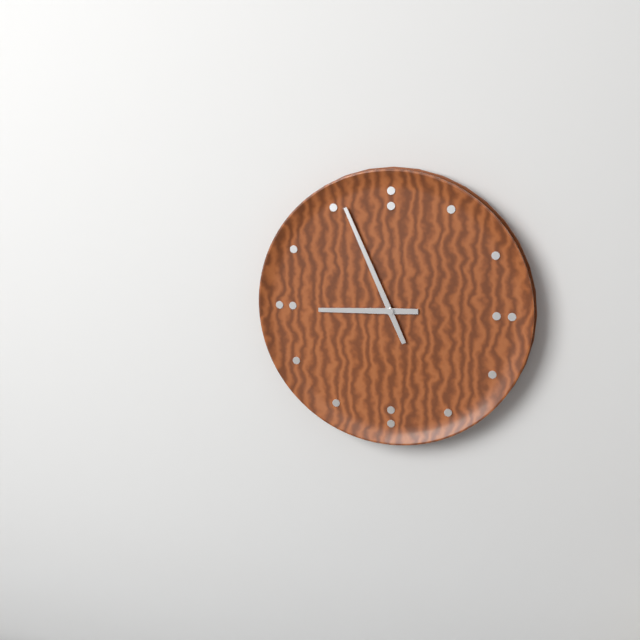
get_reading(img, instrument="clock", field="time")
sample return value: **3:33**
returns **8:56**
